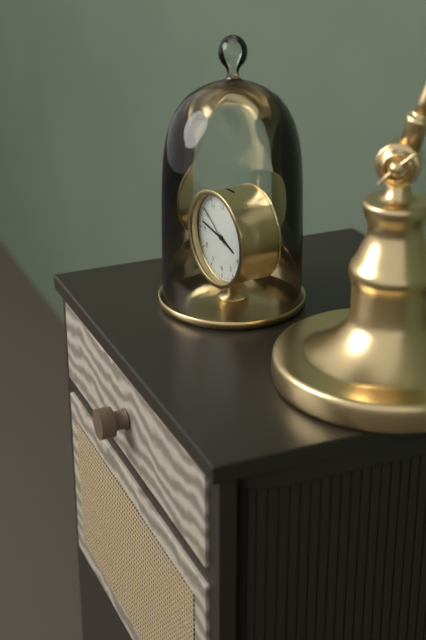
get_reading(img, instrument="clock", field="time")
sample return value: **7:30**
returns **3:47**
